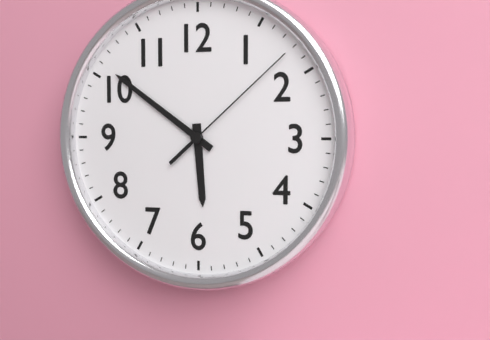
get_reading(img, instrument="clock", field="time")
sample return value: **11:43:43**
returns **5:51:08**
